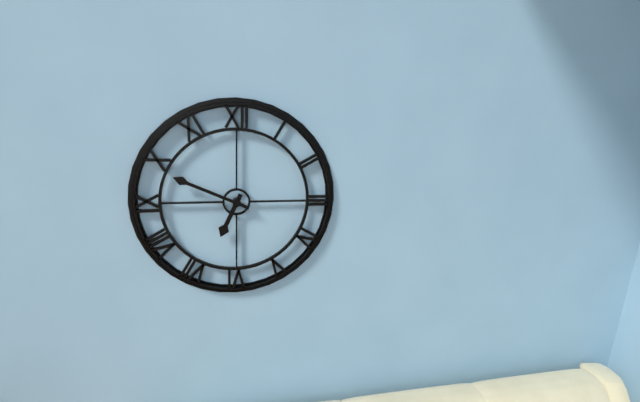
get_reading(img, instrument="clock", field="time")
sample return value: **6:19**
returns **6:49**
